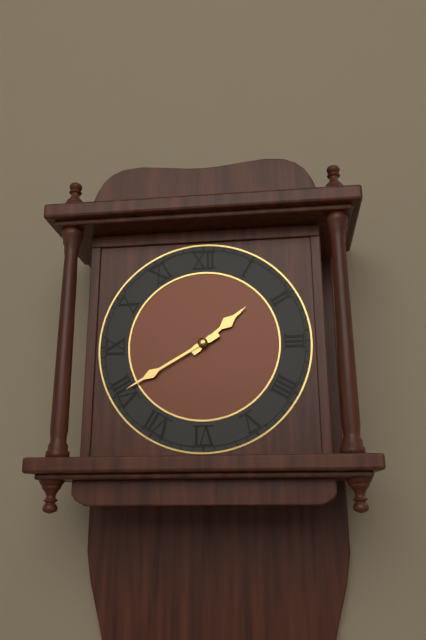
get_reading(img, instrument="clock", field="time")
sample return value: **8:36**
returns **1:40**
